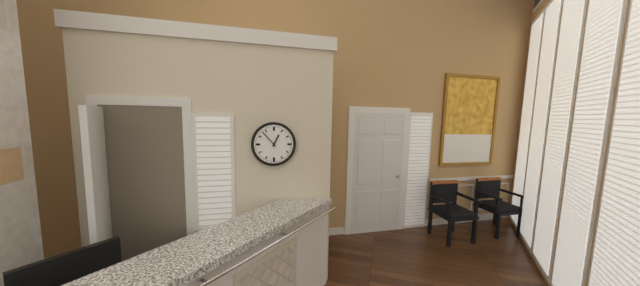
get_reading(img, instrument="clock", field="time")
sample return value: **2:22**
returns **12:53**
